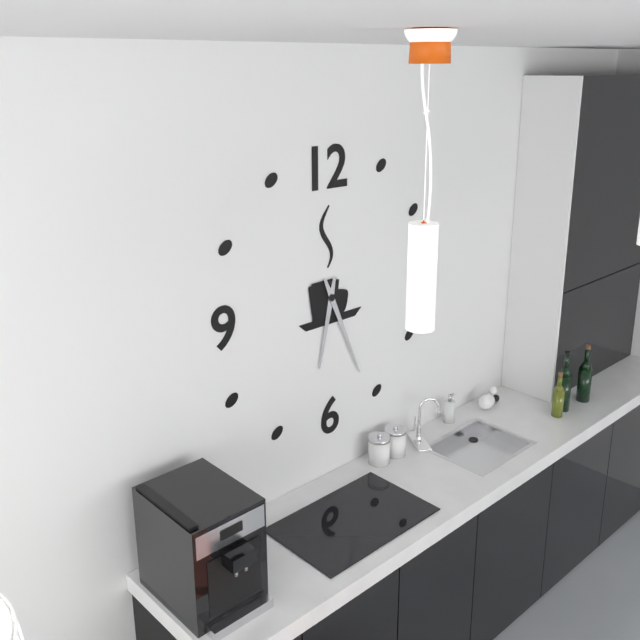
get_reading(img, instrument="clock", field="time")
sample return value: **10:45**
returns **6:26**
